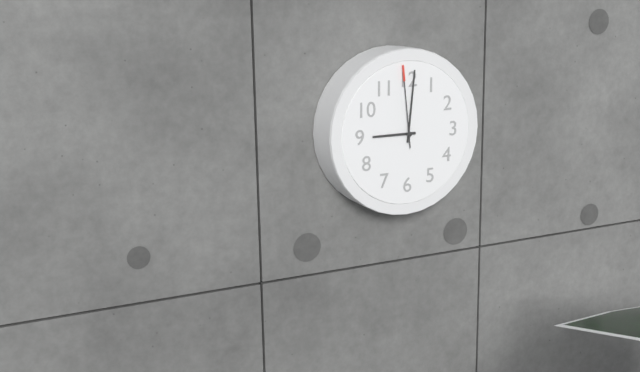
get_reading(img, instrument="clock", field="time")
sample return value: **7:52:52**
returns **9:01:59**
